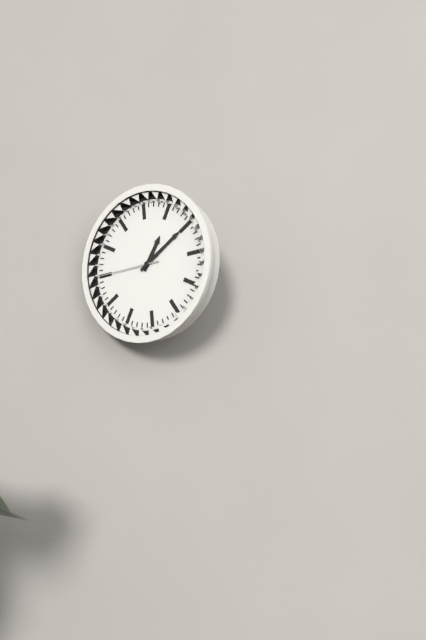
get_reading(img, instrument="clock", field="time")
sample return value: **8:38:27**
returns **1:10:45**
